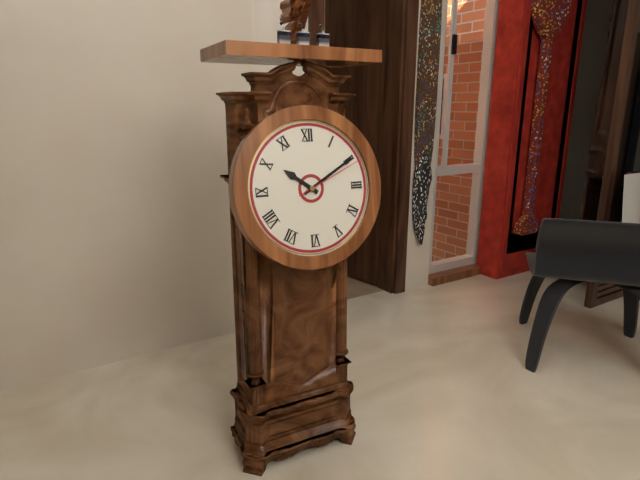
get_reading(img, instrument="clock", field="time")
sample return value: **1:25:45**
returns **10:10:11**
